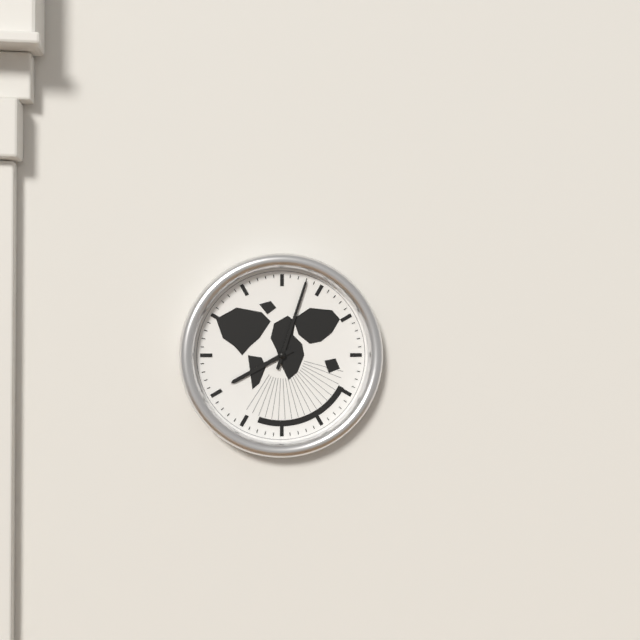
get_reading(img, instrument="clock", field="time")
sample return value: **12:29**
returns **8:03**
